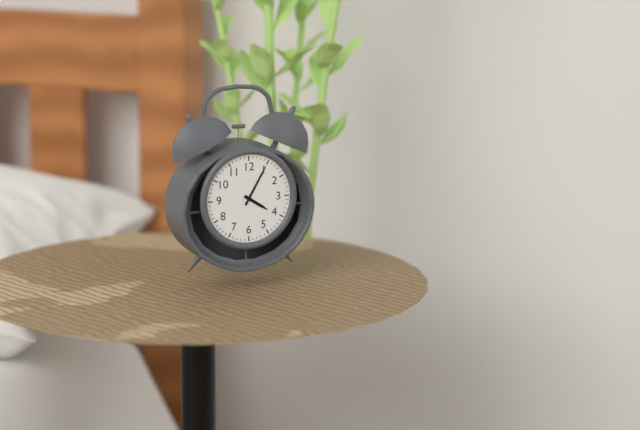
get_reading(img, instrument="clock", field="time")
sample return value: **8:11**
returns **4:05**
